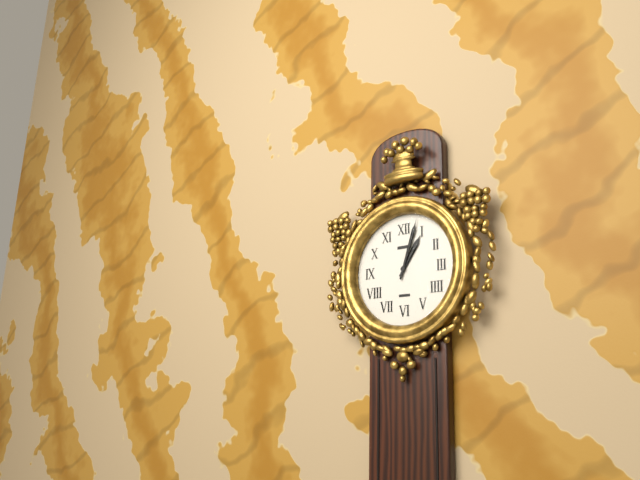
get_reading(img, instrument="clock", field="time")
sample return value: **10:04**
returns **1:03**
